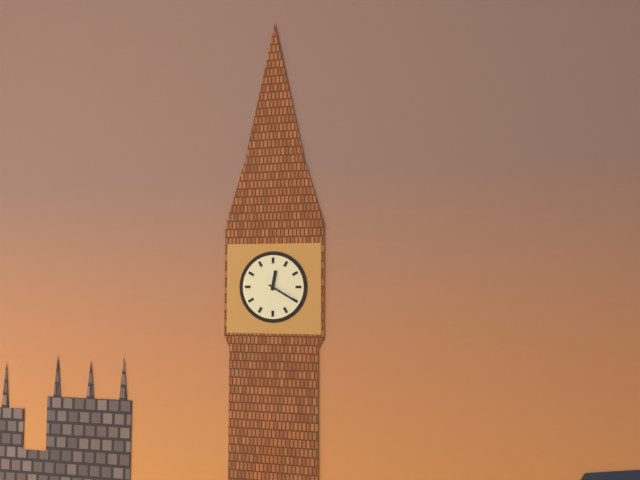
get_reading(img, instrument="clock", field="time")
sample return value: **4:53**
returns **12:20**
